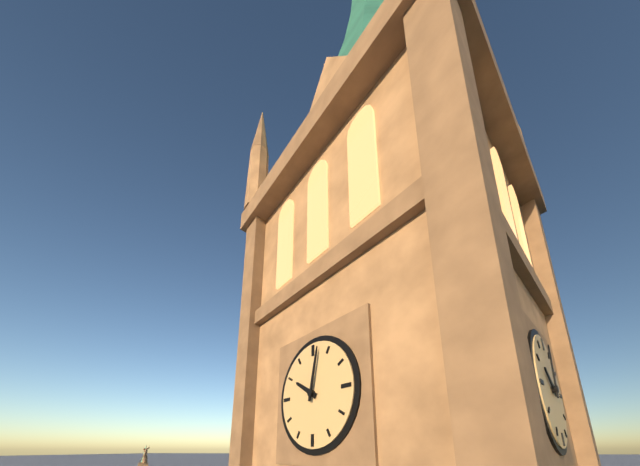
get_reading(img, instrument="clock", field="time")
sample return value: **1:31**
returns **10:02**
